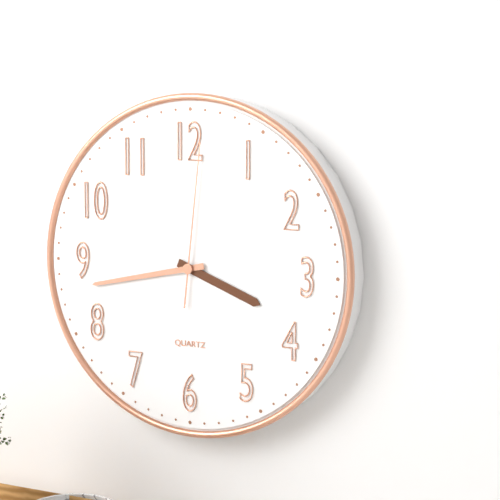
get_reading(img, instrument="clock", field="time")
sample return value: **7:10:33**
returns **3:43:01**
